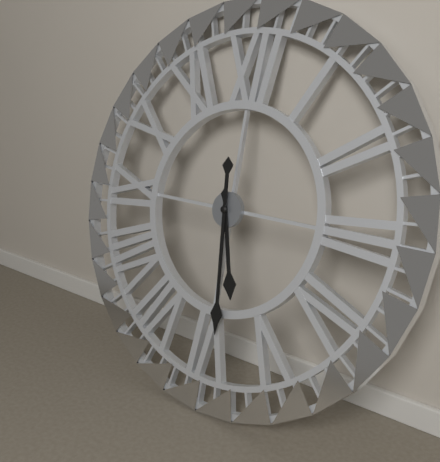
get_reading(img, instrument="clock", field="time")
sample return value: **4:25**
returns **5:29**
